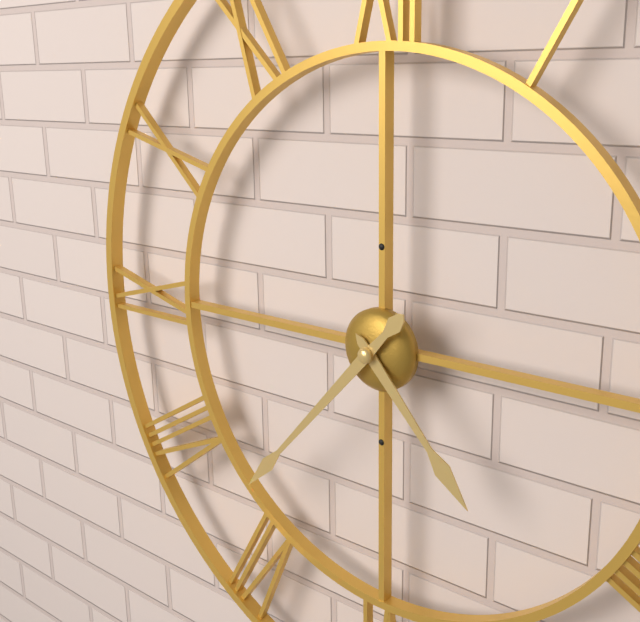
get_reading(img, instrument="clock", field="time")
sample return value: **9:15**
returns **4:37**
